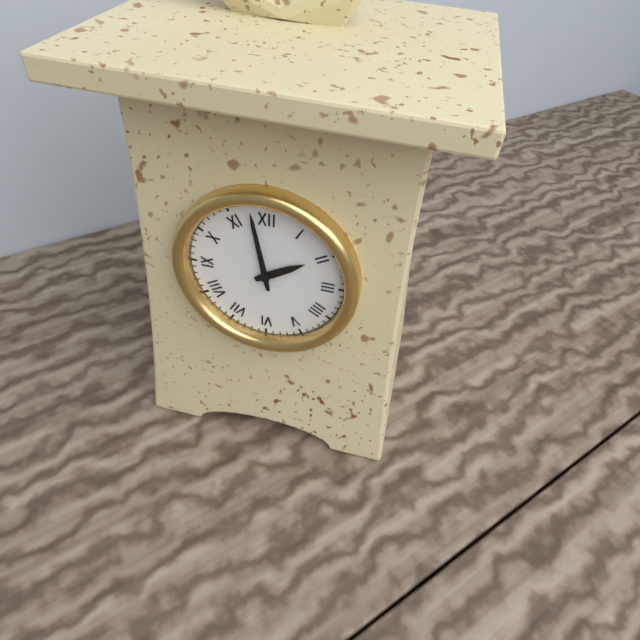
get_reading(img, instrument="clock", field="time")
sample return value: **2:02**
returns **1:58**
